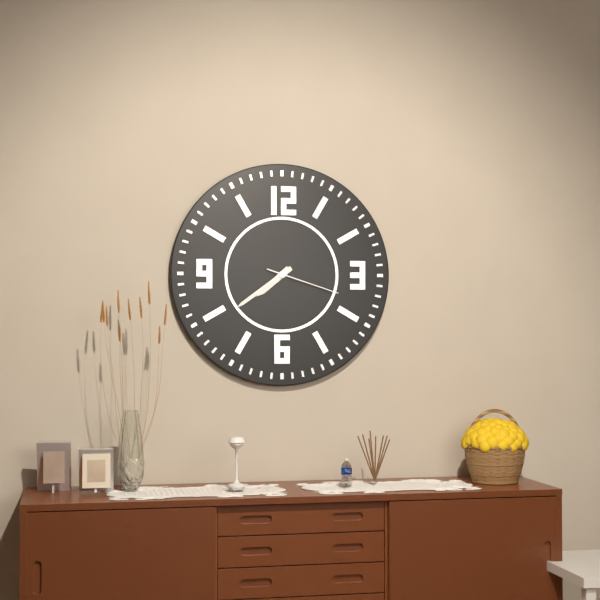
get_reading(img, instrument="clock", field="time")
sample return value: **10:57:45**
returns **7:39:18**
